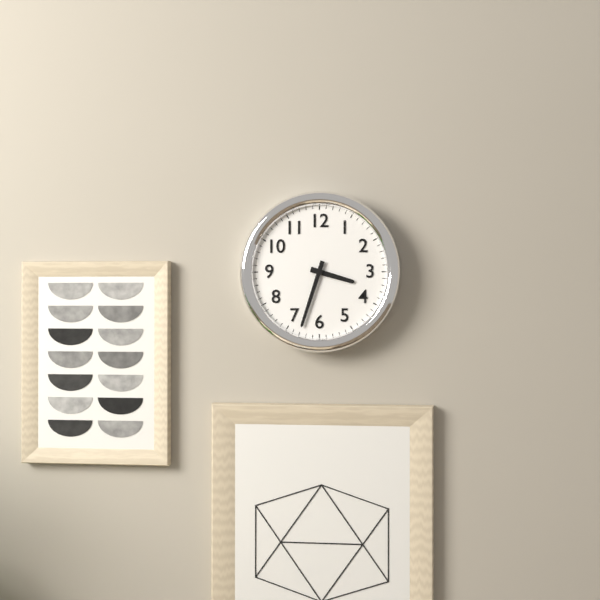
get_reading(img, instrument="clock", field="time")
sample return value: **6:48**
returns **3:33**
